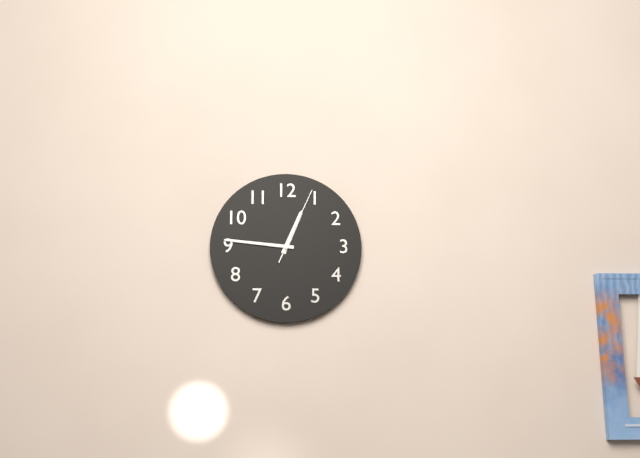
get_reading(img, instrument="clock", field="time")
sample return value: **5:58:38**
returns **12:46:04**
